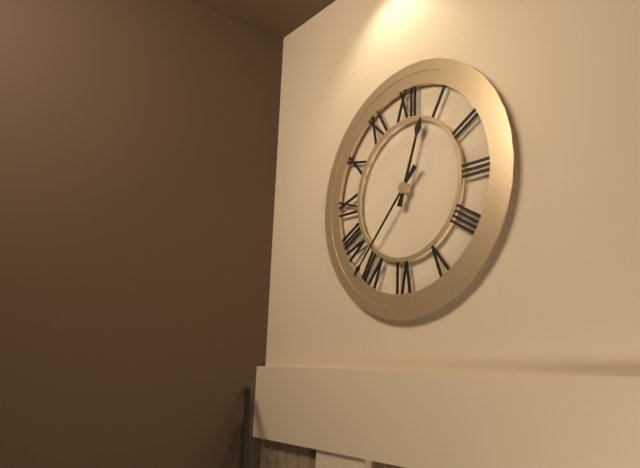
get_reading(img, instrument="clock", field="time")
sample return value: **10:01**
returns **12:37**
